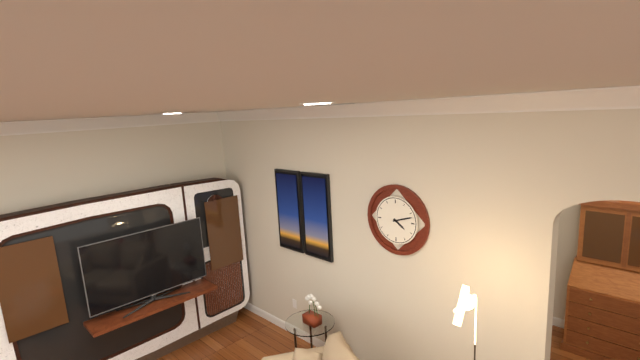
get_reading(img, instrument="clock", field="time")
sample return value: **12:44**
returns **4:12**
